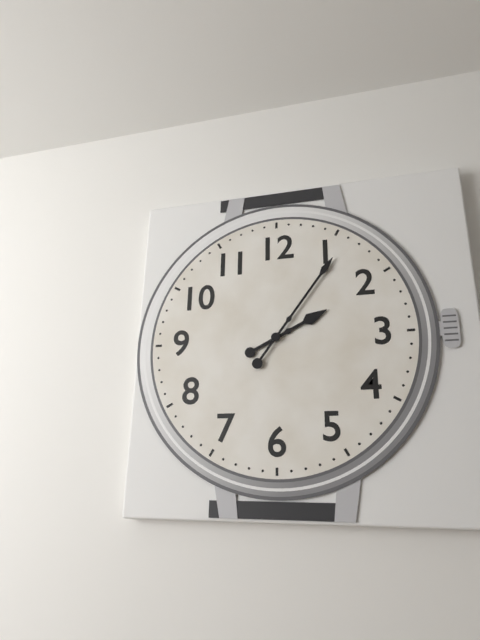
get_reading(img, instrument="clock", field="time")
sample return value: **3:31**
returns **2:06**
